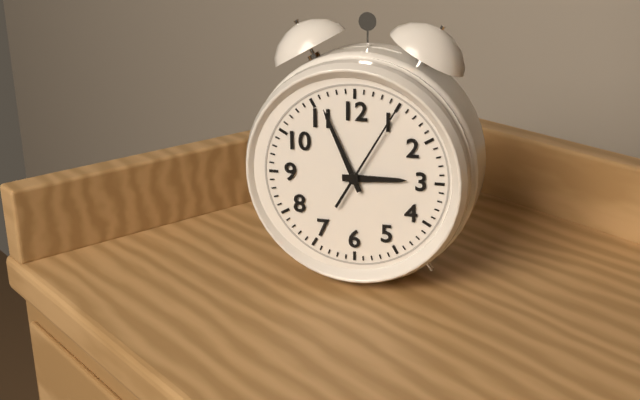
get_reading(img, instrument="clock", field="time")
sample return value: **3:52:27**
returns **2:56:05**
